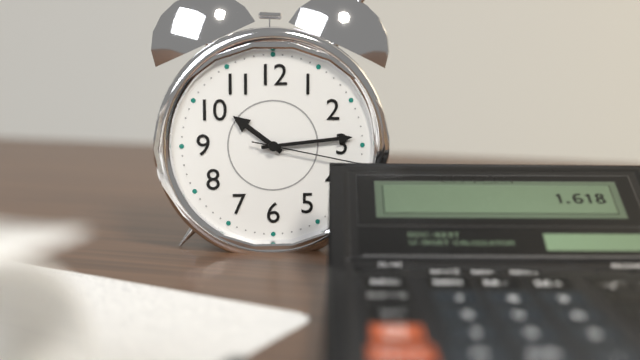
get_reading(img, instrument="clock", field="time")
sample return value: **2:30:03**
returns **10:14:17**
